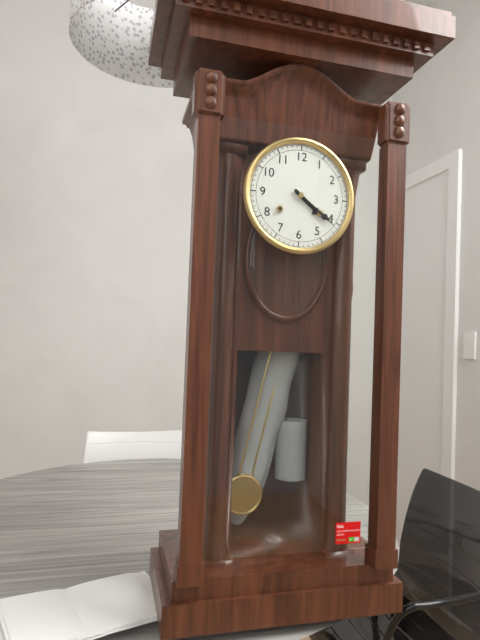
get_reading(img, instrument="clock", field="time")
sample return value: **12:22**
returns **4:21**
